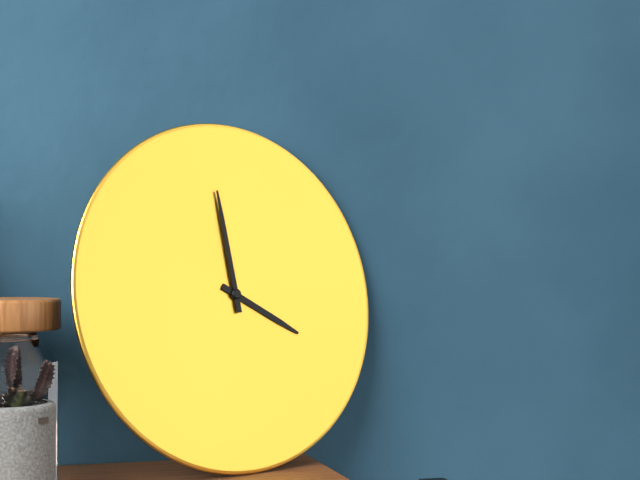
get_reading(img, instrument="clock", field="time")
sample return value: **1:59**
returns **3:59**
